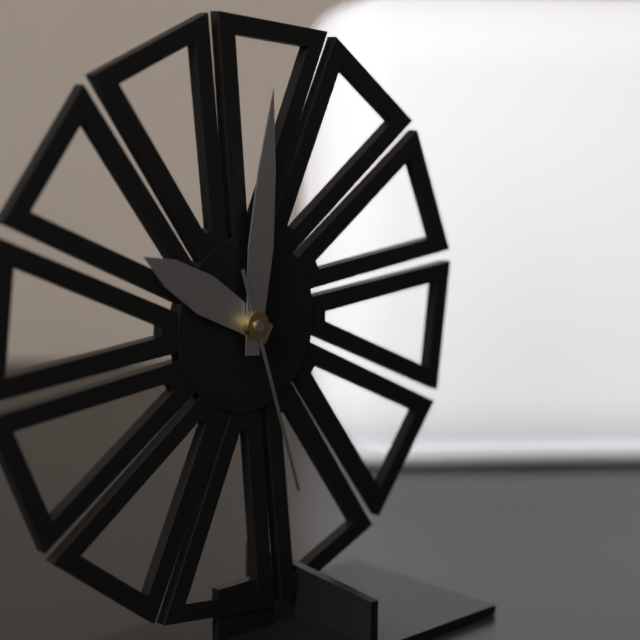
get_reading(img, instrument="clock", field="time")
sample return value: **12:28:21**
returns **10:01:27**
